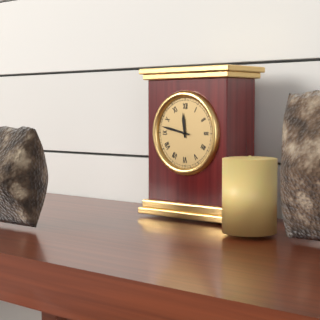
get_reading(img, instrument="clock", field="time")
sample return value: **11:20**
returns **11:47**
